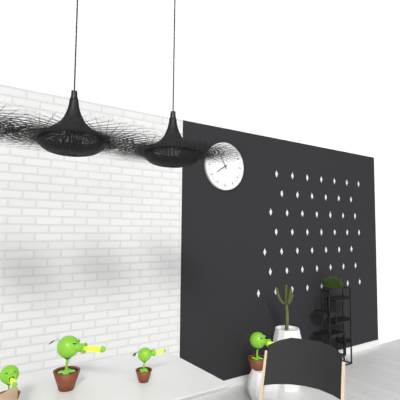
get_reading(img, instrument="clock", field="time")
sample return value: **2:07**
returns **7:55**
